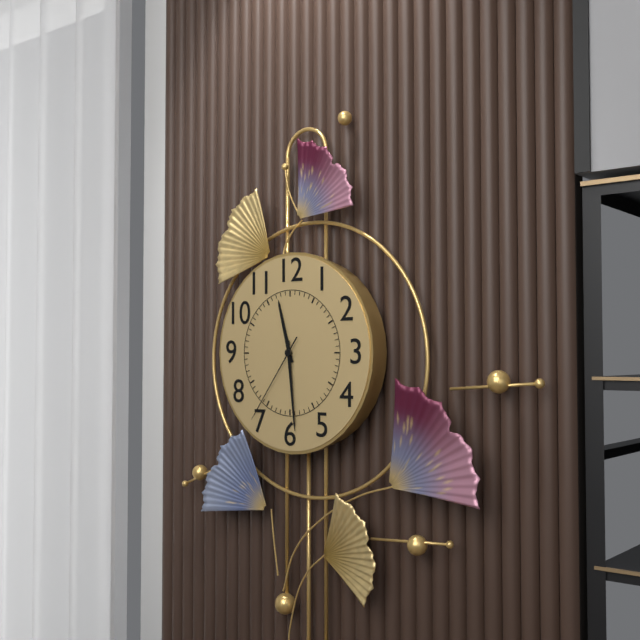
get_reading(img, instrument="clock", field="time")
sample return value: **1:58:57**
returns **11:29:36**
